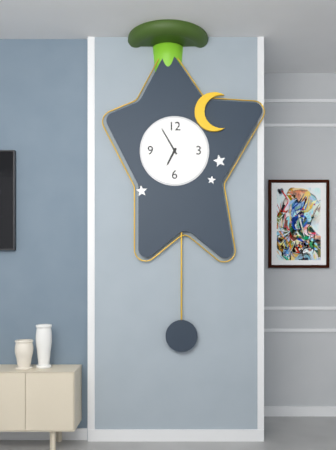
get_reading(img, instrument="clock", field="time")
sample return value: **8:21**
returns **6:55**
